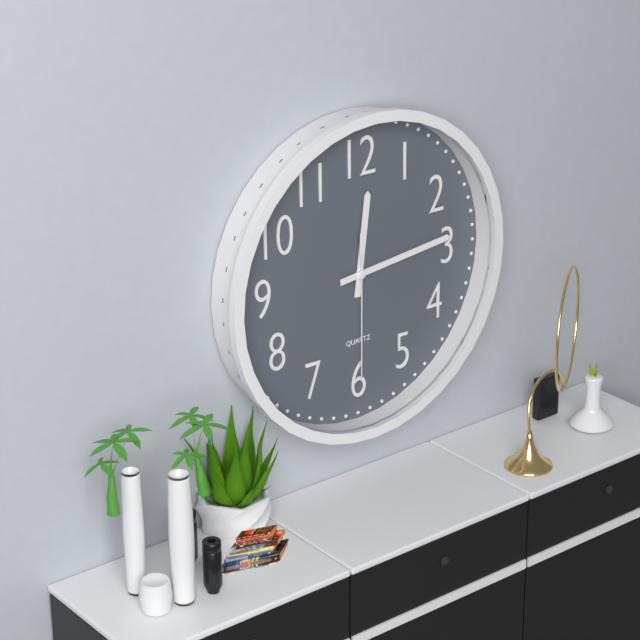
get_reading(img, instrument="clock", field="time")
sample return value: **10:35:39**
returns **12:14:30**
